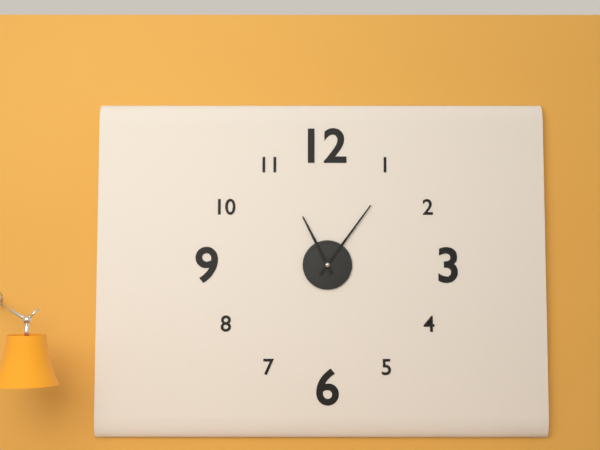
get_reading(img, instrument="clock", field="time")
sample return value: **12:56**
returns **11:06**
